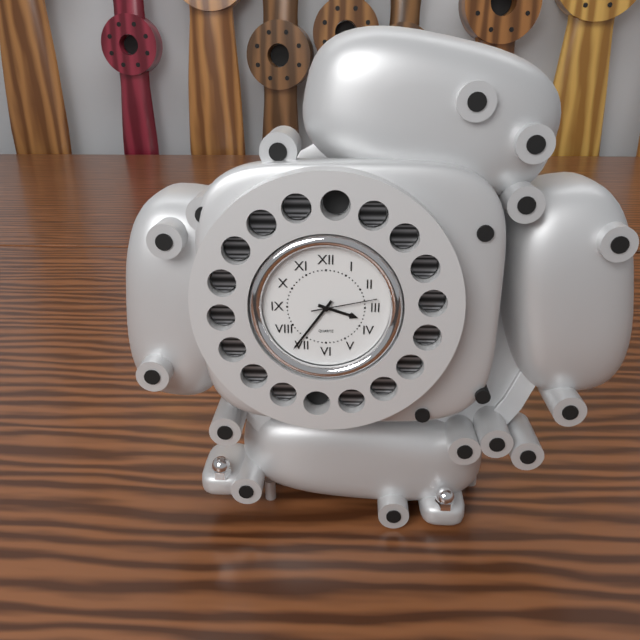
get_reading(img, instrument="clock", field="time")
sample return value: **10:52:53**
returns **3:36:13**
